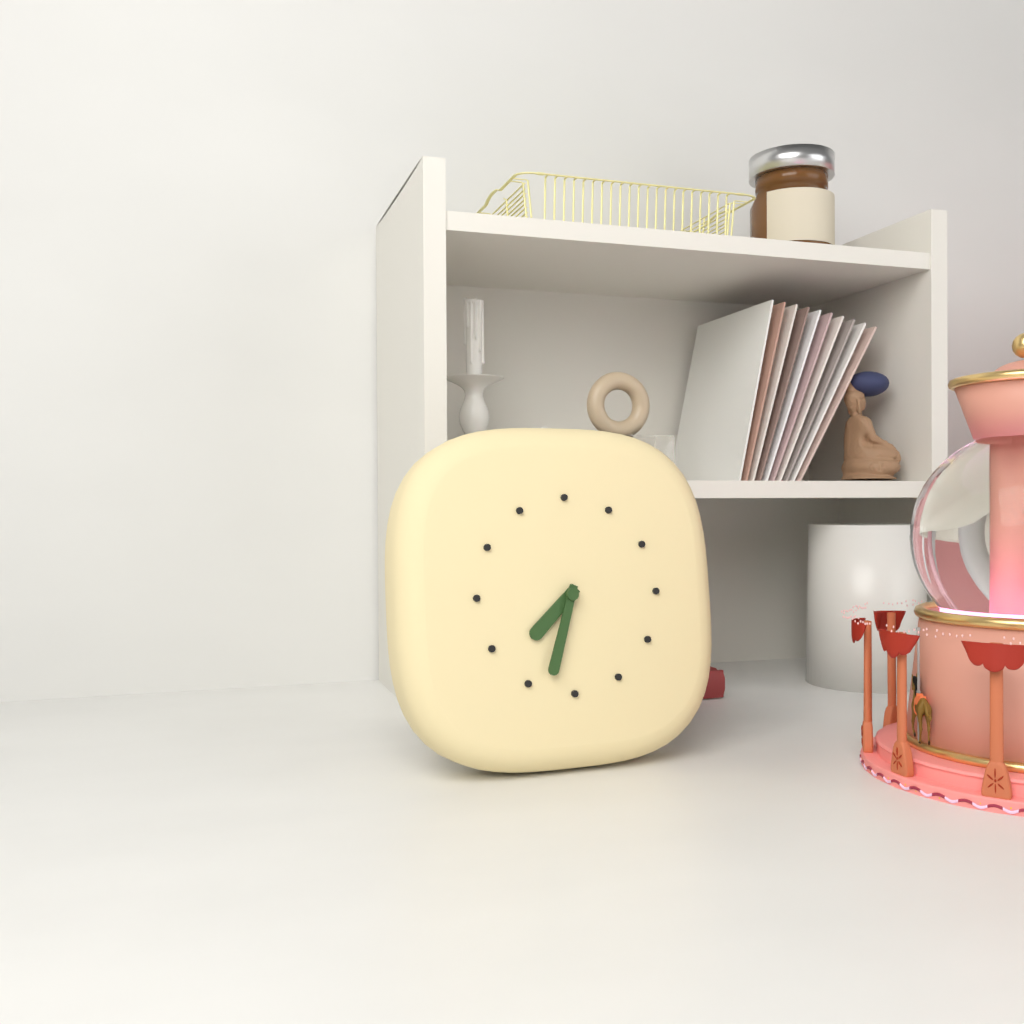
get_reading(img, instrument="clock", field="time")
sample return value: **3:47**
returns **7:33**
